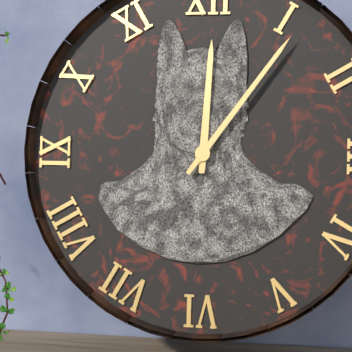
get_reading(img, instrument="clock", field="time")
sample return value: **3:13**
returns **12:06**
